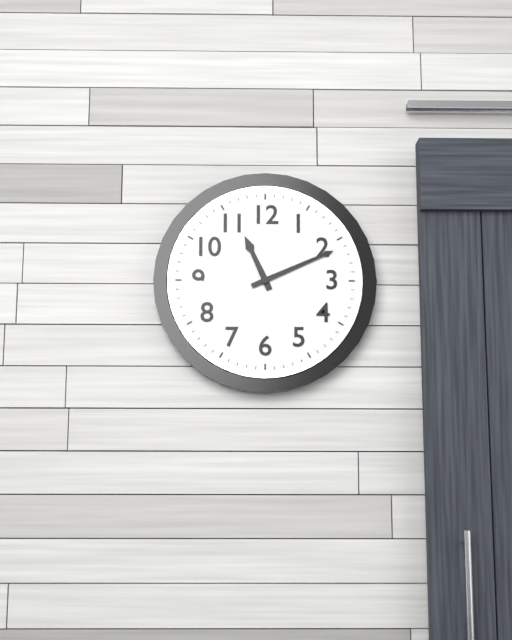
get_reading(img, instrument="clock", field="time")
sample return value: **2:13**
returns **11:11**
